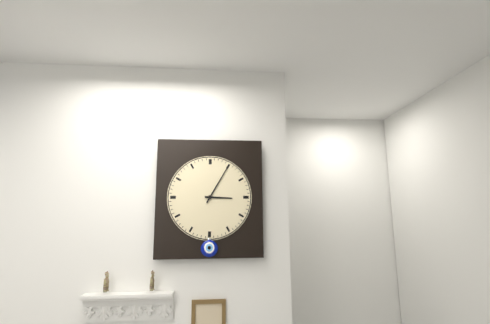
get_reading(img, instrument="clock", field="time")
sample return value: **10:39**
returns **3:05**
